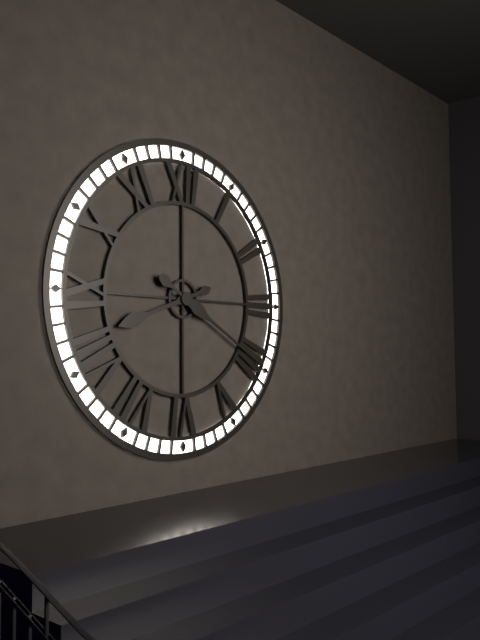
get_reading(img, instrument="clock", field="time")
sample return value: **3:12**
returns **8:20**
